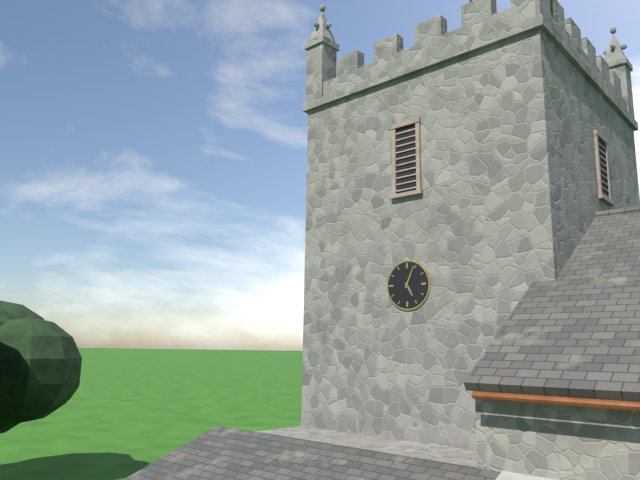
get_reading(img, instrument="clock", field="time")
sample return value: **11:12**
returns **5:04**
